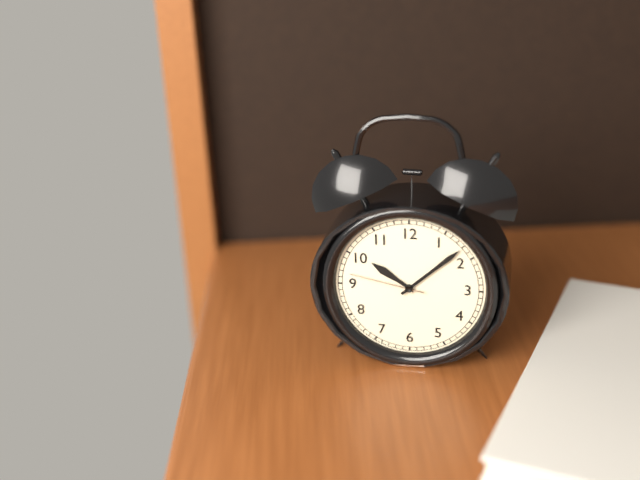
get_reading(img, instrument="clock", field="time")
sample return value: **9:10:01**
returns **10:08:47**
